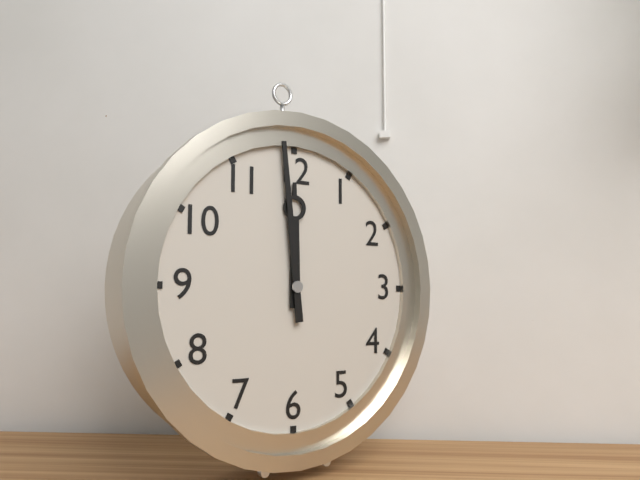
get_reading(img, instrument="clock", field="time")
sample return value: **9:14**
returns **11:59**
